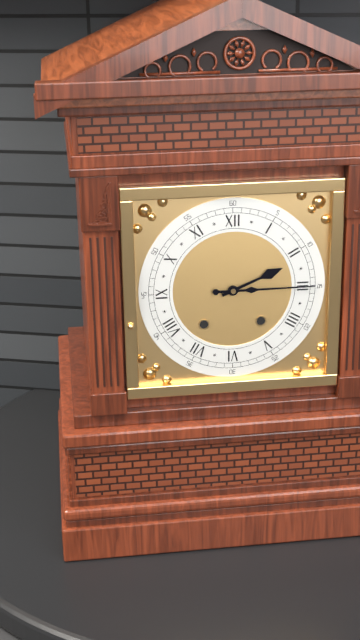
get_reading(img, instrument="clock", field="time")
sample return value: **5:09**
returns **2:15**
